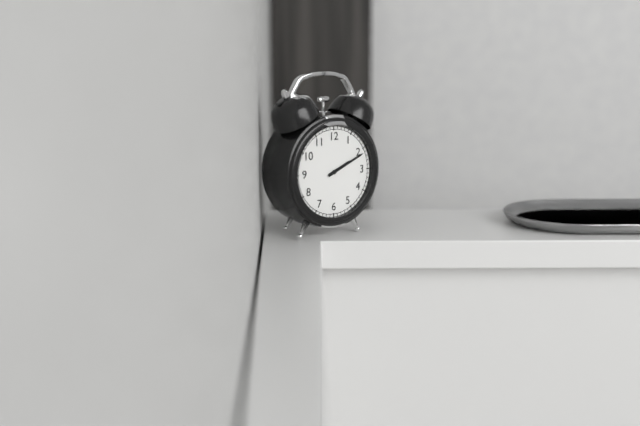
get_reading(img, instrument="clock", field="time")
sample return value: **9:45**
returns **2:11**
